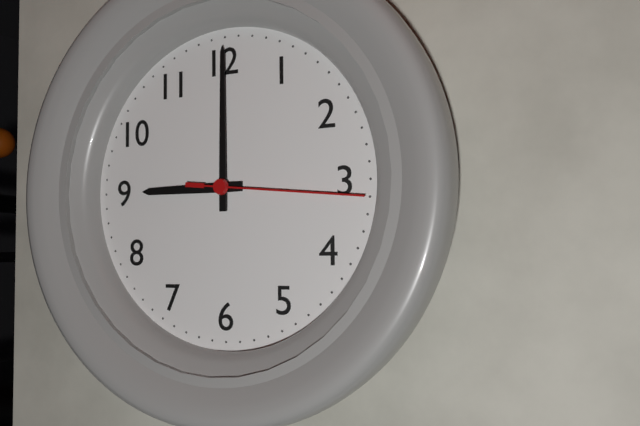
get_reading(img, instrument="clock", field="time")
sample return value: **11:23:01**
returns **9:00:16**
